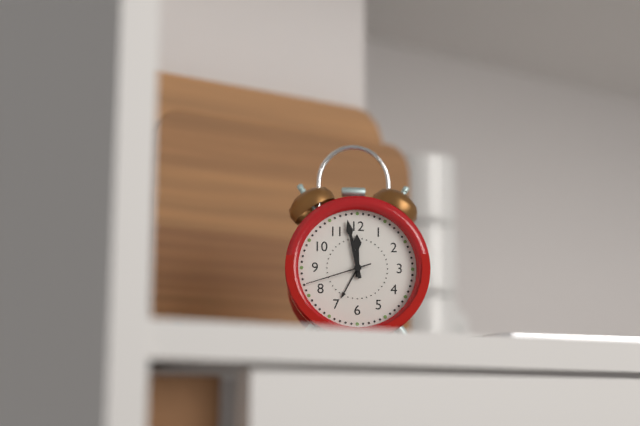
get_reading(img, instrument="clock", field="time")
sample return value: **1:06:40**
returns **11:58:42**
